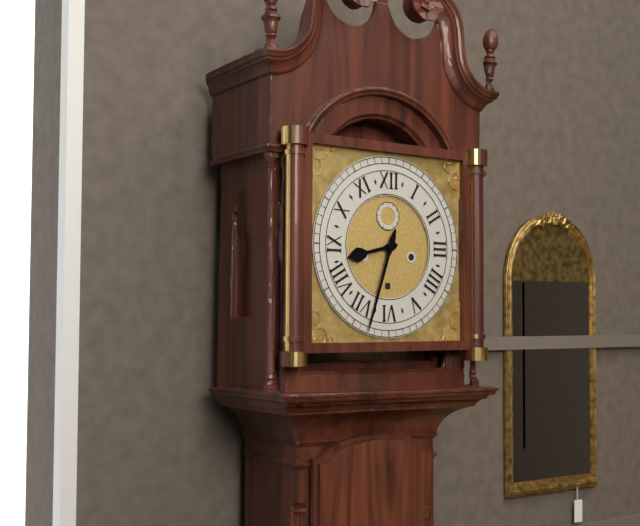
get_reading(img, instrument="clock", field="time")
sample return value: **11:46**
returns **8:33**
